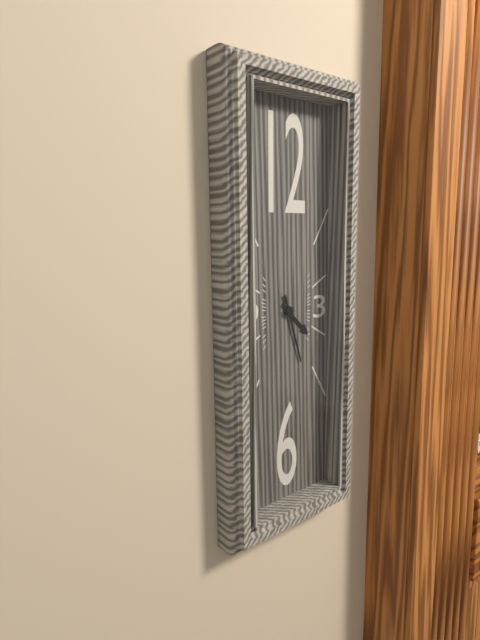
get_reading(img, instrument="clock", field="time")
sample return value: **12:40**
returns **4:27**
